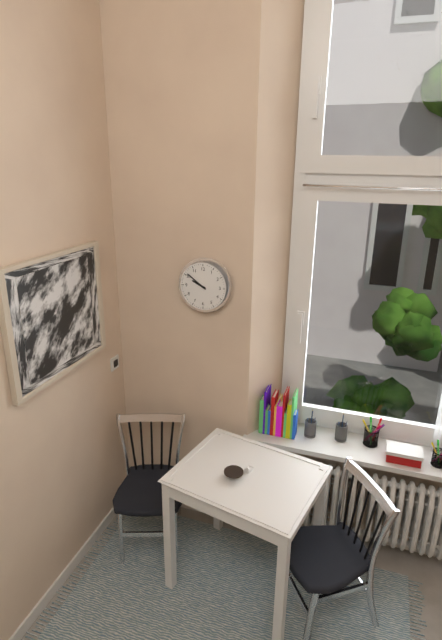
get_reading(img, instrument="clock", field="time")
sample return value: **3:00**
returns **9:51**
